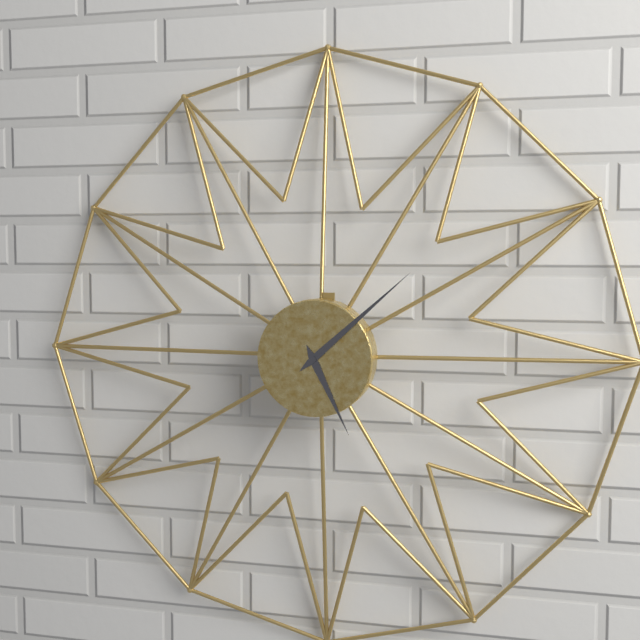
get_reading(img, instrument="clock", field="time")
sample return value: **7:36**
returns **5:08**
